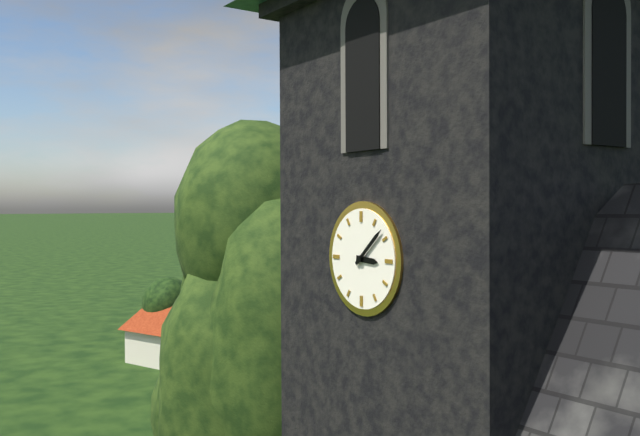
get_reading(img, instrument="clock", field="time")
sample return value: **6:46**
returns **3:08**
